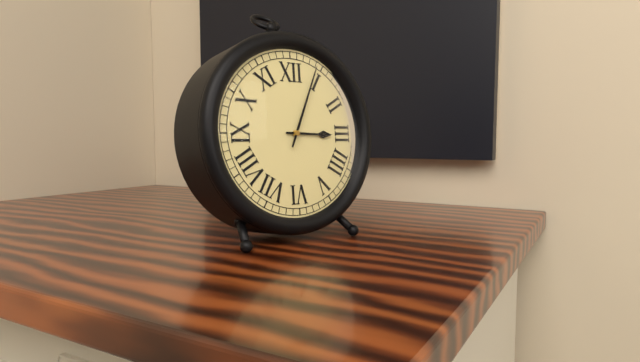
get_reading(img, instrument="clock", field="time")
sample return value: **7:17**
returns **3:04**
